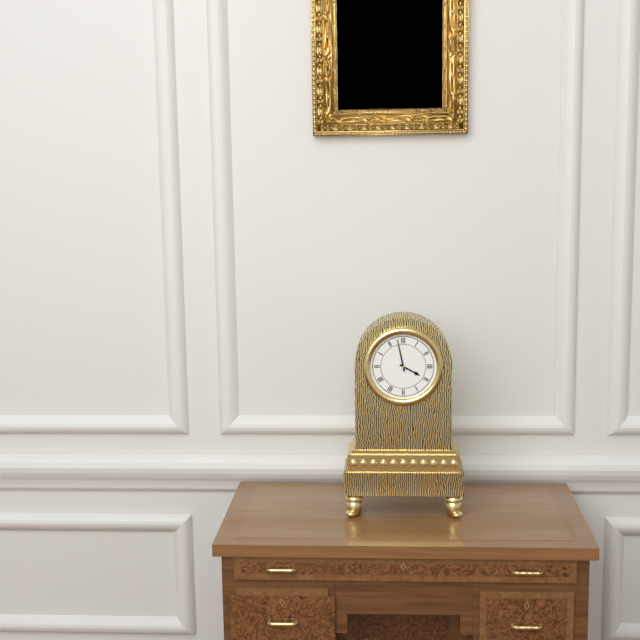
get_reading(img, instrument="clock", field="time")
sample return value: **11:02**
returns **3:58**
